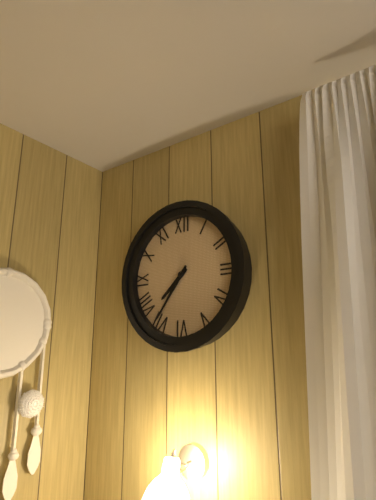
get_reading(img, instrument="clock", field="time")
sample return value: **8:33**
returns **7:36**
